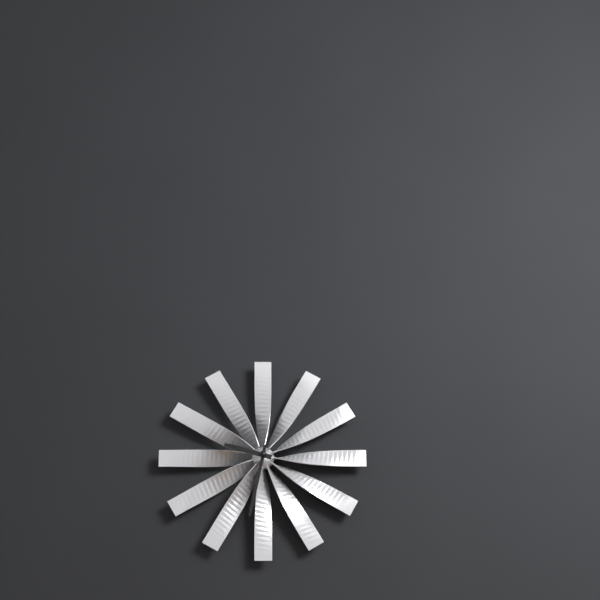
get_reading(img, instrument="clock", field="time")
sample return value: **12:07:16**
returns **9:32:04**
